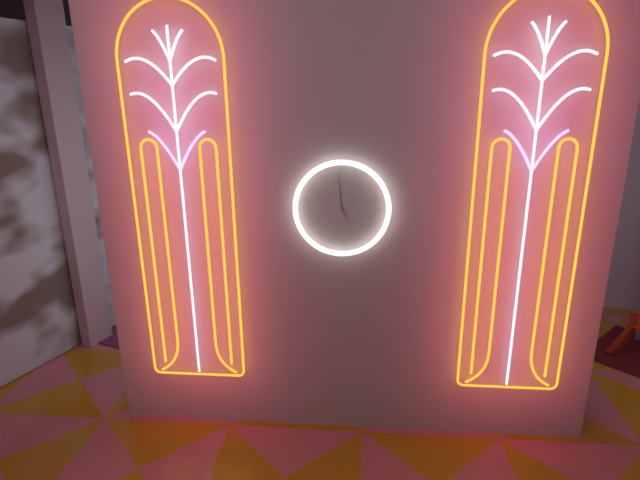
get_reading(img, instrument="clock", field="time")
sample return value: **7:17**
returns **4:59**
